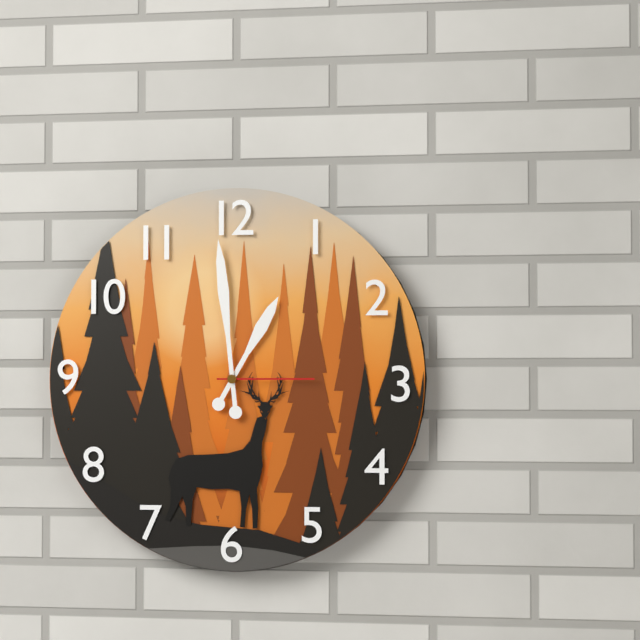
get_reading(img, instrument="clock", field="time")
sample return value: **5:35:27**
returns **12:59:15**
